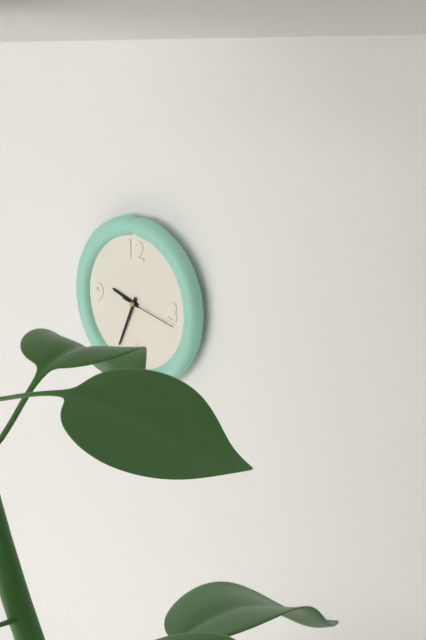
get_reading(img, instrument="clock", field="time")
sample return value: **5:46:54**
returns **9:34:17**
